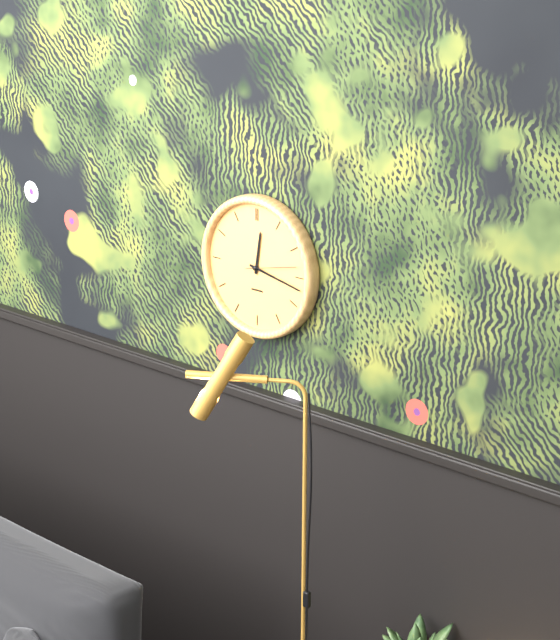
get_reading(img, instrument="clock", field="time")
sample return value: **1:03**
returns **12:17**
